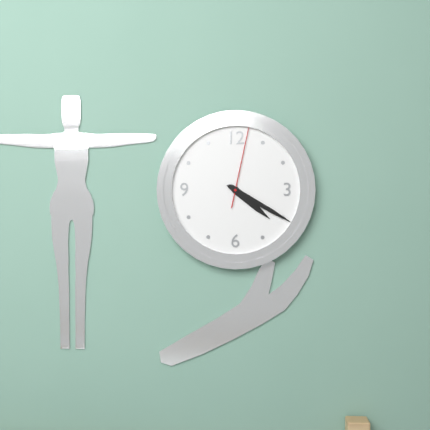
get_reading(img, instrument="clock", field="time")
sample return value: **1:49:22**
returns **4:20:02**
